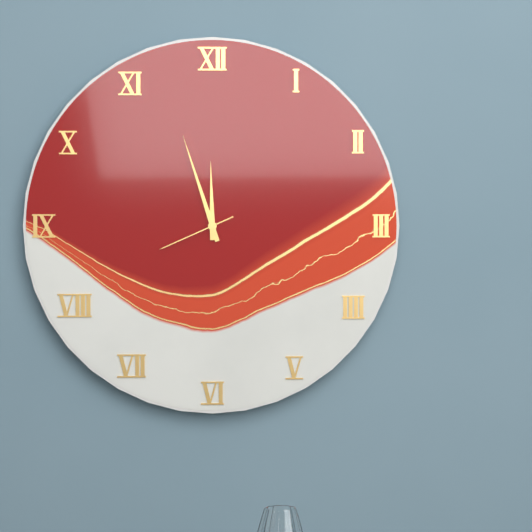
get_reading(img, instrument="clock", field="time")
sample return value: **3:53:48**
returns **11:57:41**
